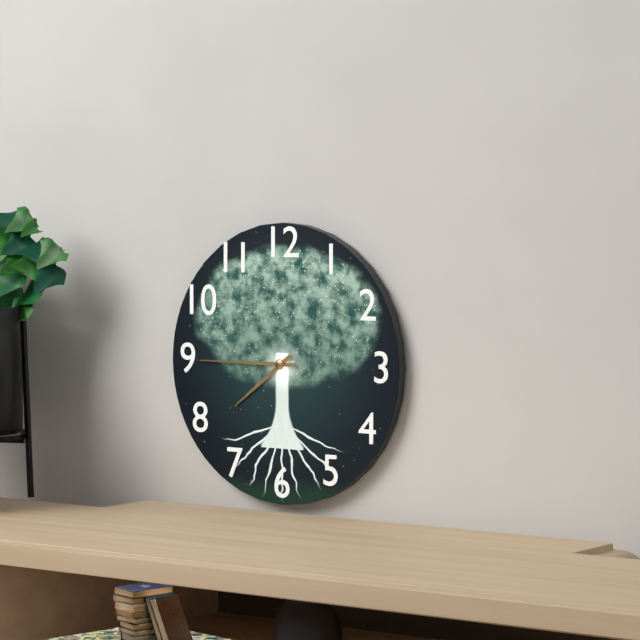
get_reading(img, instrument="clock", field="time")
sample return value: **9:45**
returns **7:45**
